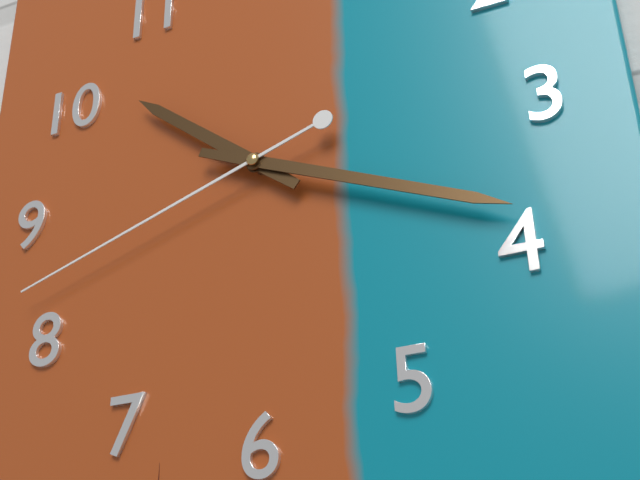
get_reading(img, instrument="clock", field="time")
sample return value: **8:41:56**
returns **10:19:42**
